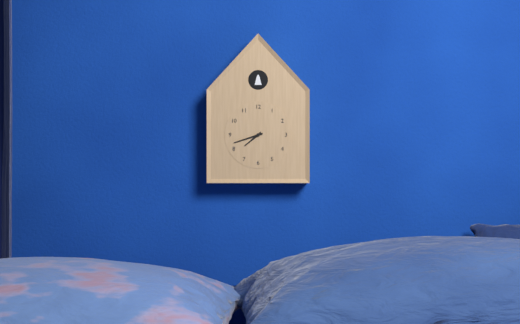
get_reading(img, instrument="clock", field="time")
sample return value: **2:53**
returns **7:42**
